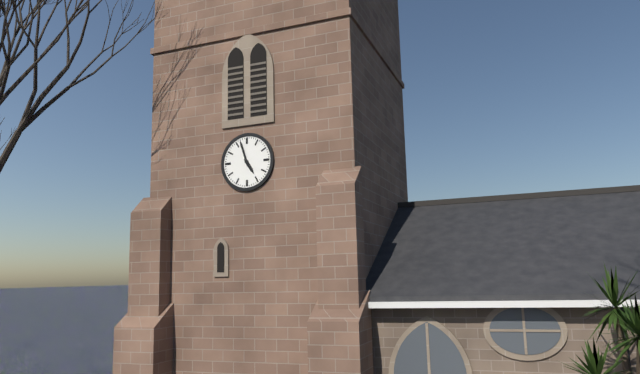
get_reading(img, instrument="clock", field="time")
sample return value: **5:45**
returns **4:57**
